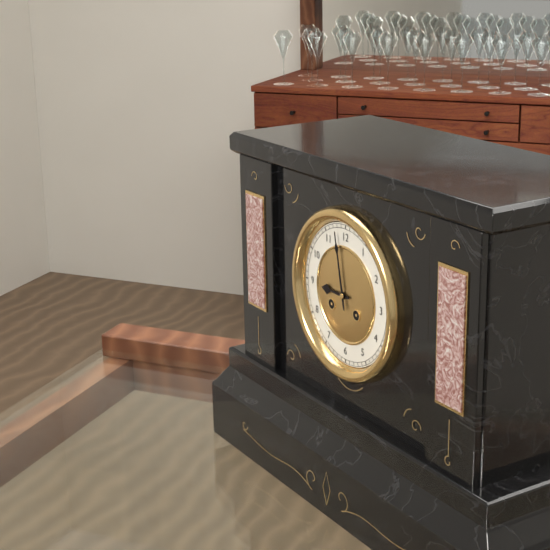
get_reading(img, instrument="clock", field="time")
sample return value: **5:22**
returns **8:58**
